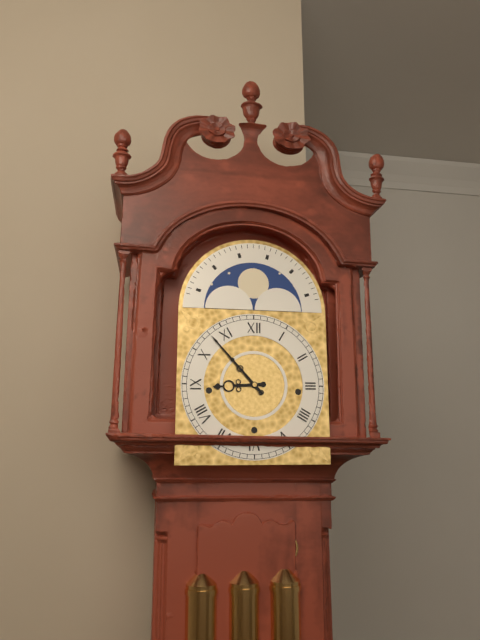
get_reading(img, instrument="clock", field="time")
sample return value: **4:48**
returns **8:53**
